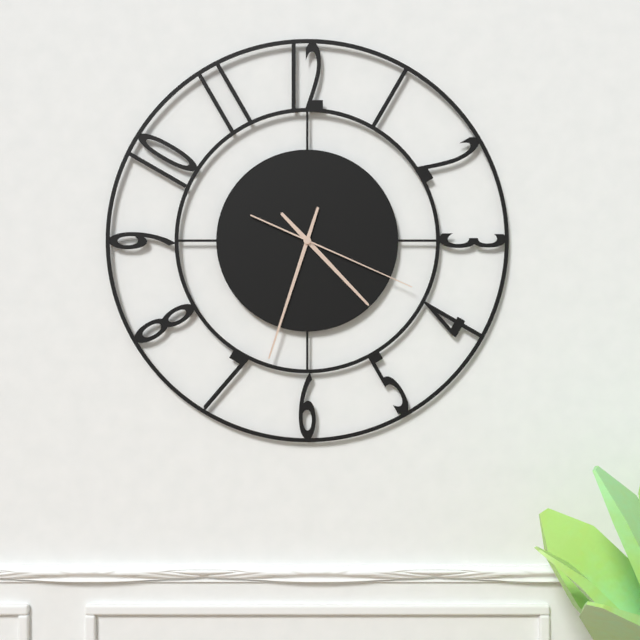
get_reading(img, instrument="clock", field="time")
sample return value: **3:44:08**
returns **4:33:19**
